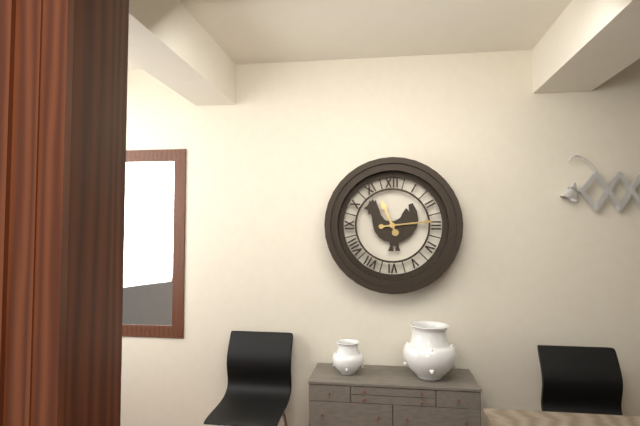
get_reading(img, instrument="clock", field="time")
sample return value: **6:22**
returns **11:14**
